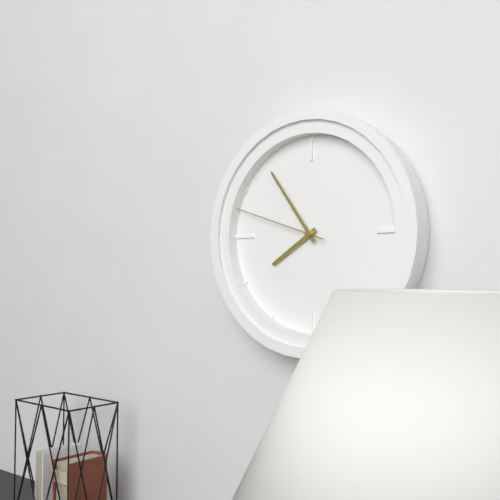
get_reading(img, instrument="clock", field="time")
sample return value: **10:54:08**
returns **7:54:48**
